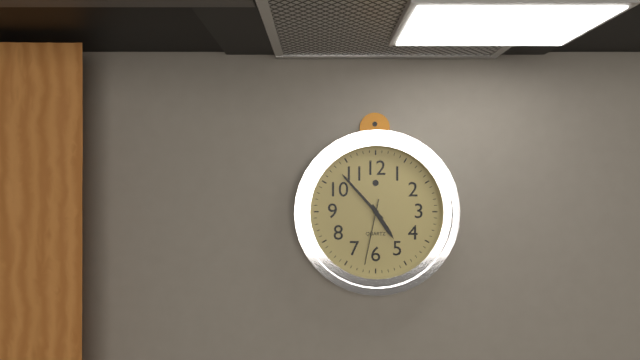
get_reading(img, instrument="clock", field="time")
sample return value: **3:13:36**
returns **4:53:32**
